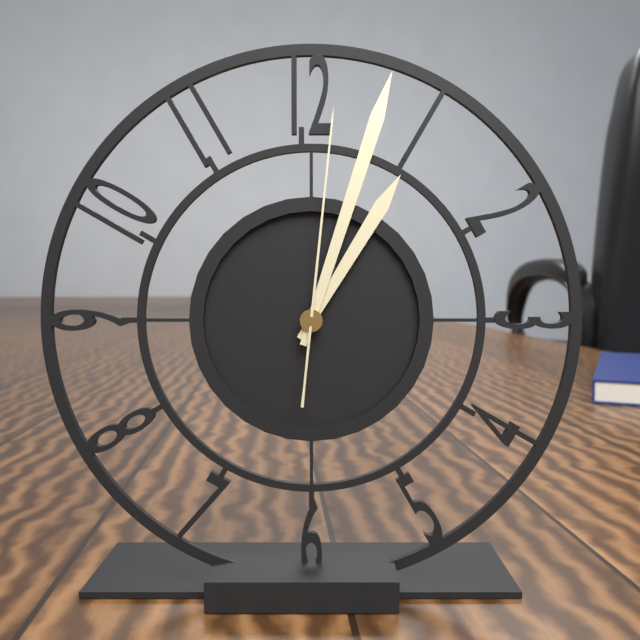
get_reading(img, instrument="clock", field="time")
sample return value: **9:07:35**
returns **1:03:01**
